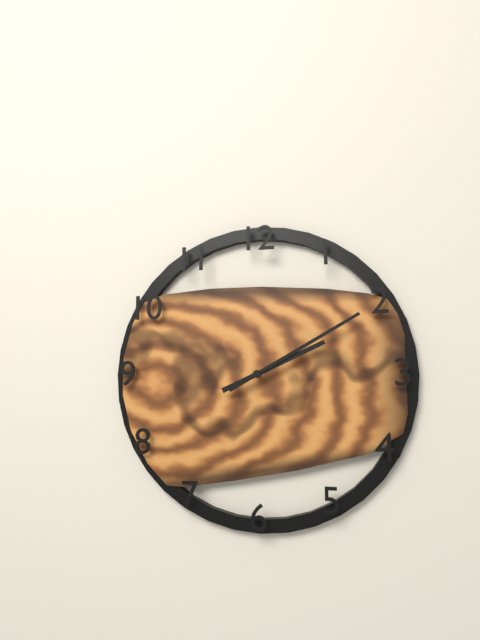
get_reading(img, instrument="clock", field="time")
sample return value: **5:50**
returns **2:10**
